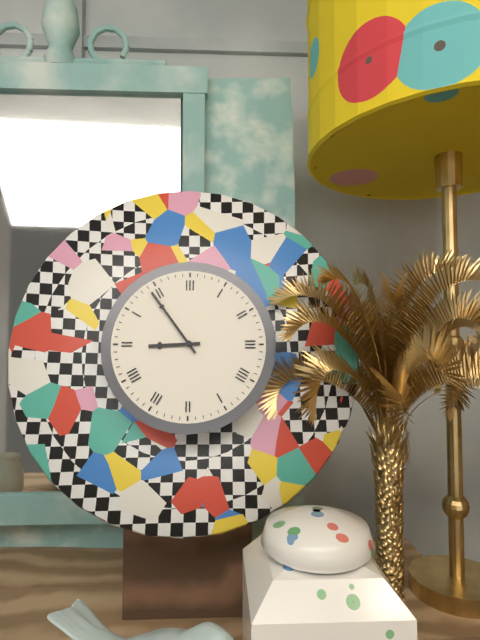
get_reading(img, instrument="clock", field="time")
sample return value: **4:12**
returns **8:54**
